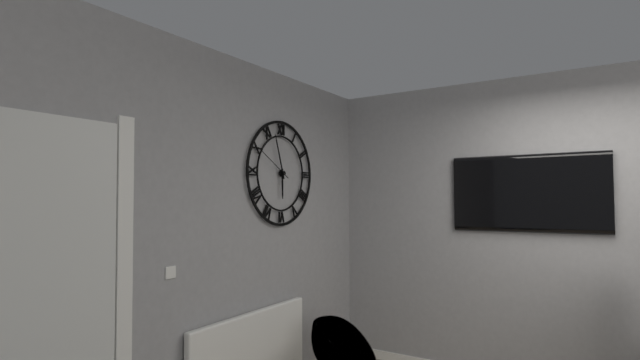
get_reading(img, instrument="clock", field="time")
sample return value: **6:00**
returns **5:57**
